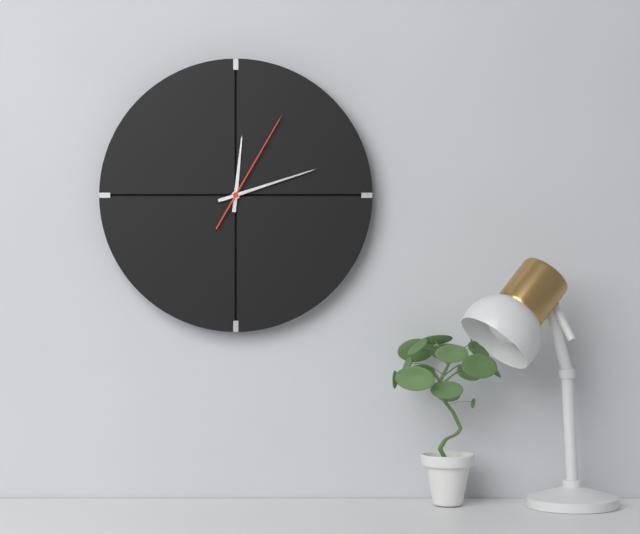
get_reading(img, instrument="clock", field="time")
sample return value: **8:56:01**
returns **12:12:05**
